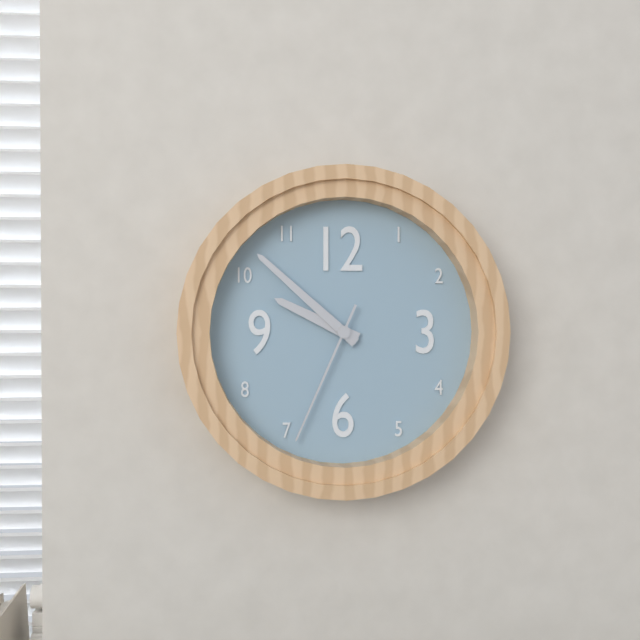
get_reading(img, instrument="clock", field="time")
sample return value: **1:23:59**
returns **9:52:34**
